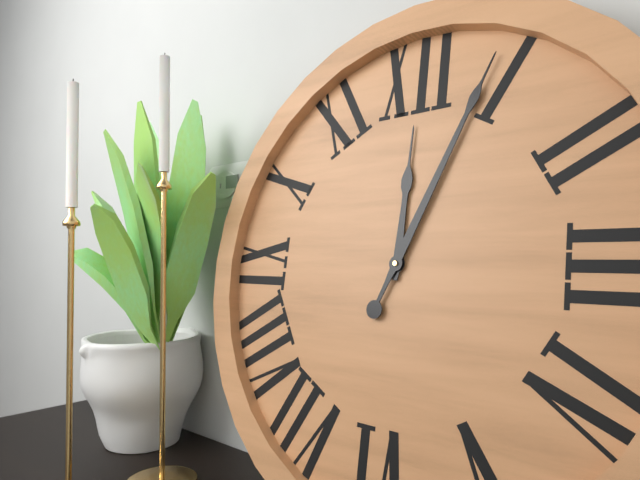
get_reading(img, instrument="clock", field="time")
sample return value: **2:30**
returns **12:04**
